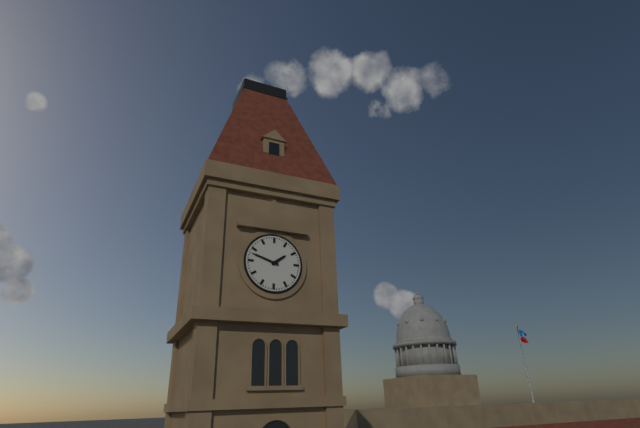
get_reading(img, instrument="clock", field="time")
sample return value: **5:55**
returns **1:48**
